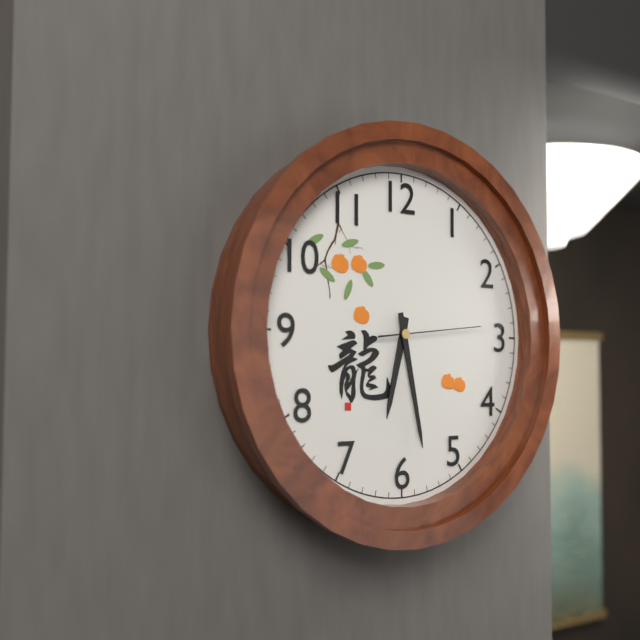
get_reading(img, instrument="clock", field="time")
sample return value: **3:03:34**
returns **6:28:14**
